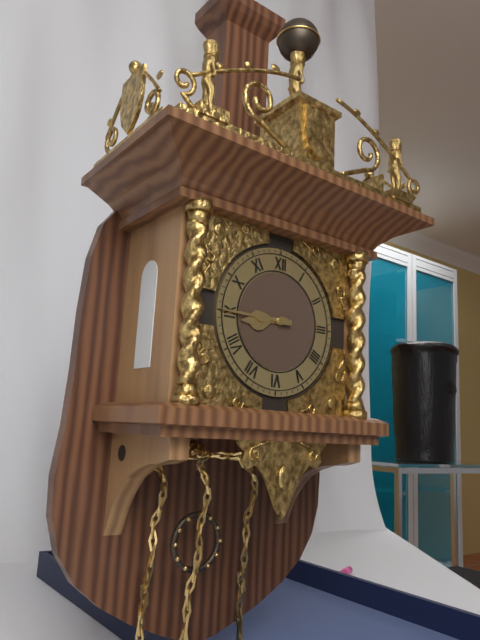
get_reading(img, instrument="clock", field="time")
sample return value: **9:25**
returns **8:45**
